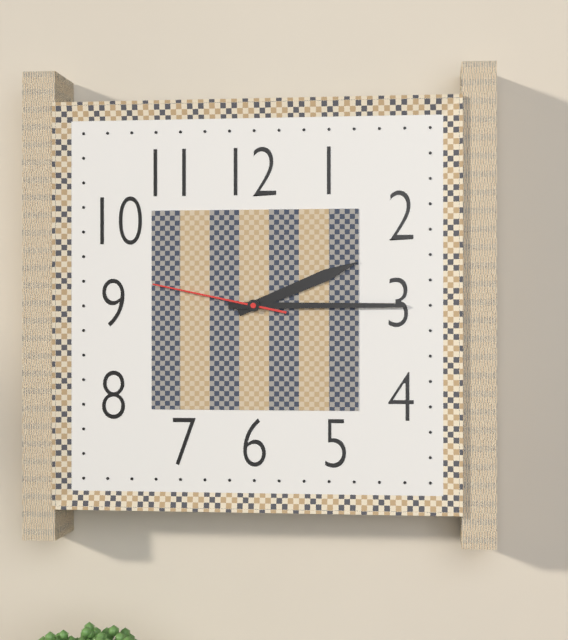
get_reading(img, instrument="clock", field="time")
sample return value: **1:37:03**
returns **2:15:47**
